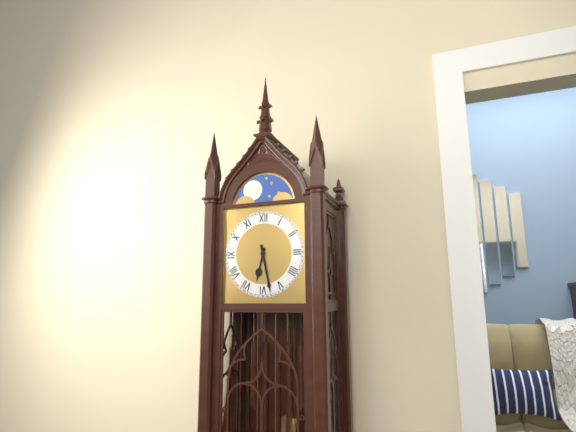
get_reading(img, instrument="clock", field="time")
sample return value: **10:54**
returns **6:28**
